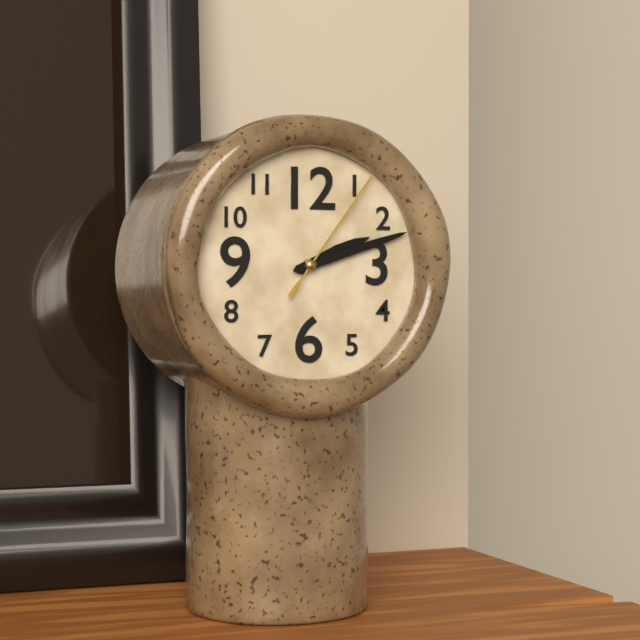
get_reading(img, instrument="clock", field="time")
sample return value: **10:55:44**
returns **2:12:06**
